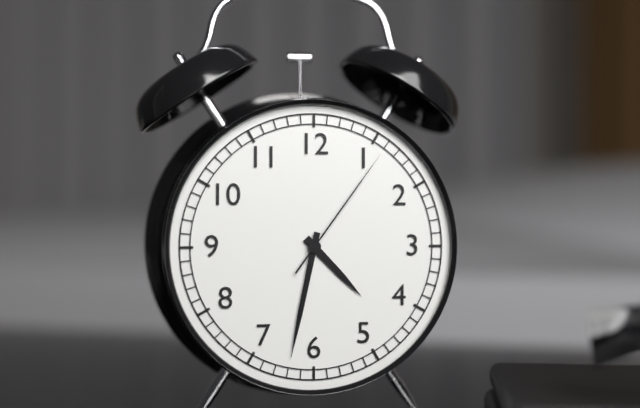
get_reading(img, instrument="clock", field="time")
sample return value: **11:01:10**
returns **4:32:06**
